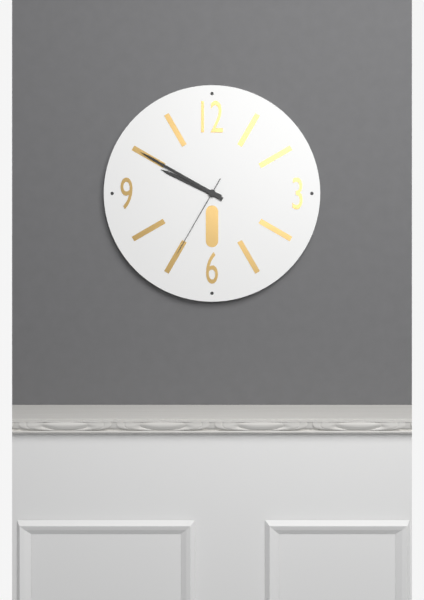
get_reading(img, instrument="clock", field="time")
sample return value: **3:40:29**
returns **9:50:35**
